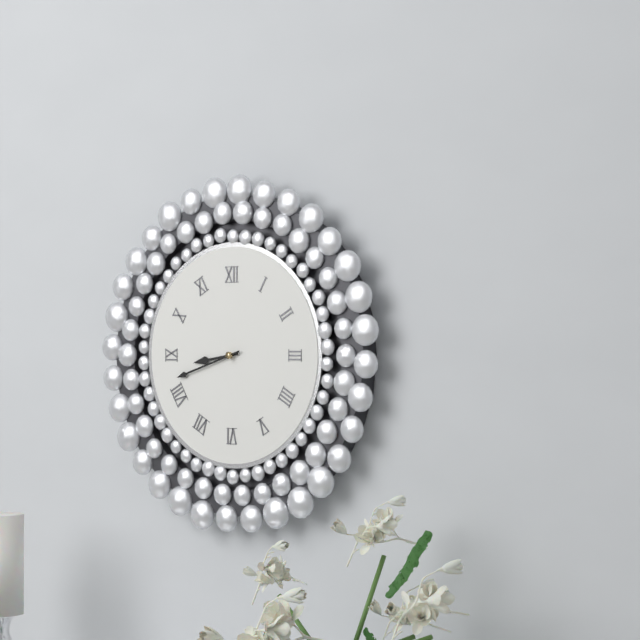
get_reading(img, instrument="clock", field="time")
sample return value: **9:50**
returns **8:42**
